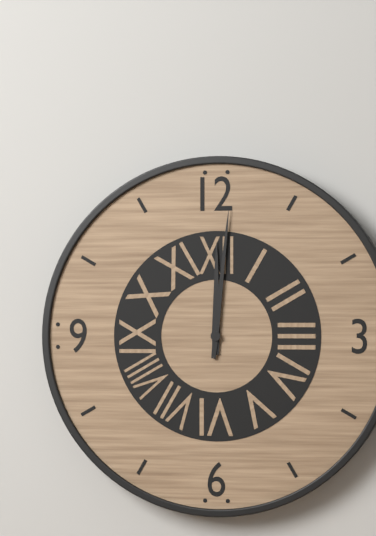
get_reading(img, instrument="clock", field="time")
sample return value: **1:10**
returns **12:01**
